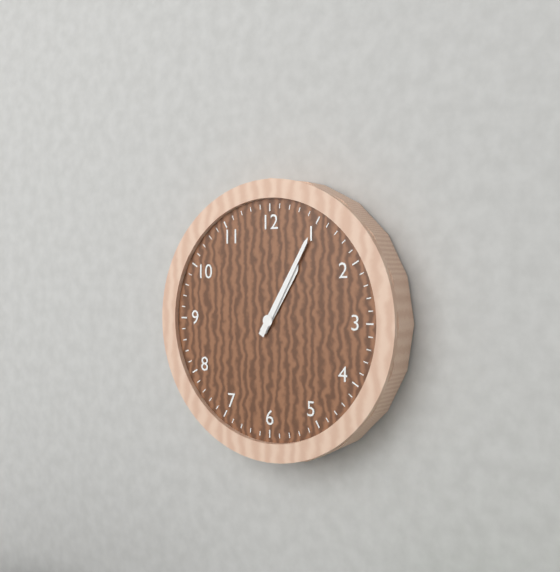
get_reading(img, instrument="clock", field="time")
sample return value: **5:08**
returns **1:05**
